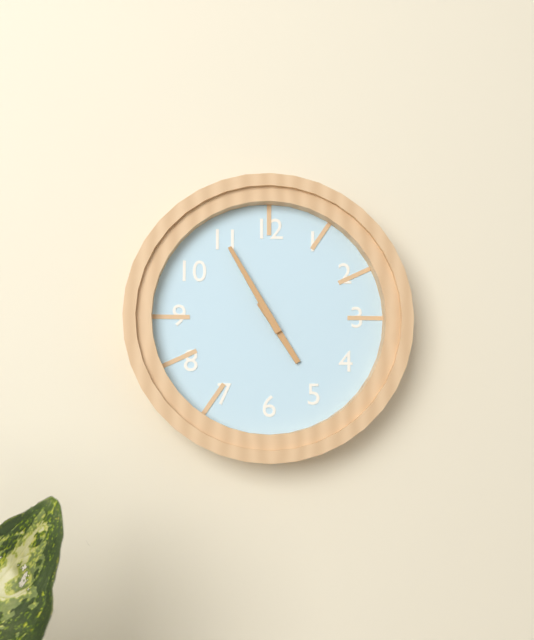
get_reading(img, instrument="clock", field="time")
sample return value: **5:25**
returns **4:55**
